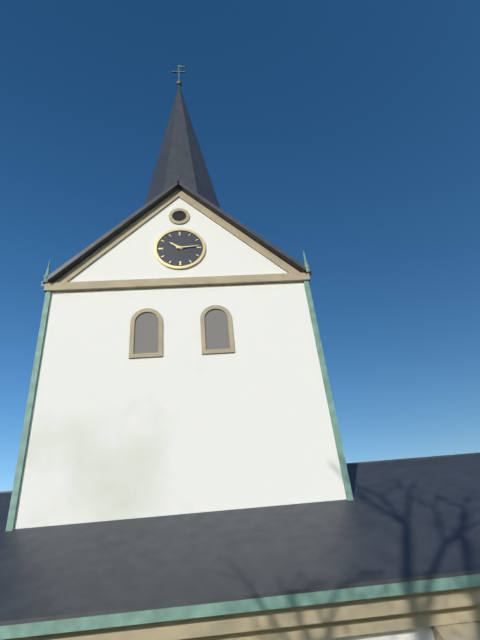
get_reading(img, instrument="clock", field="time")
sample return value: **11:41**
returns **10:14**
